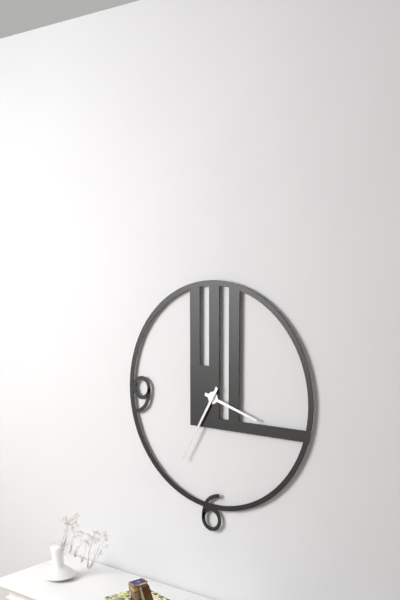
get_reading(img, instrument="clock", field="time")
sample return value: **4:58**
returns **3:35**
